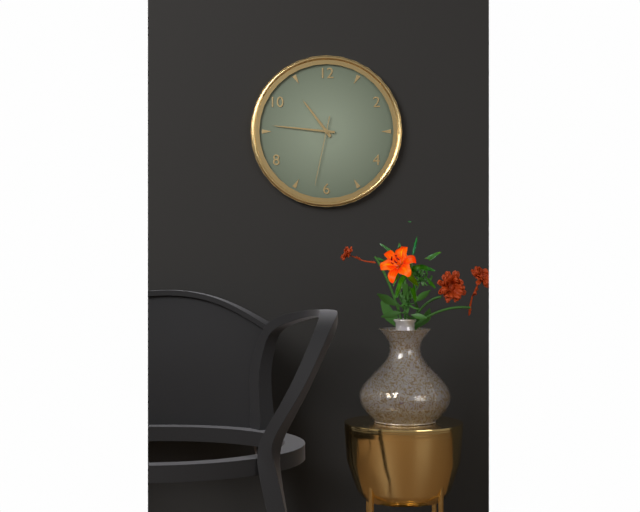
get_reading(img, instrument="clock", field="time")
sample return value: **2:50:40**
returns **10:46:32**
